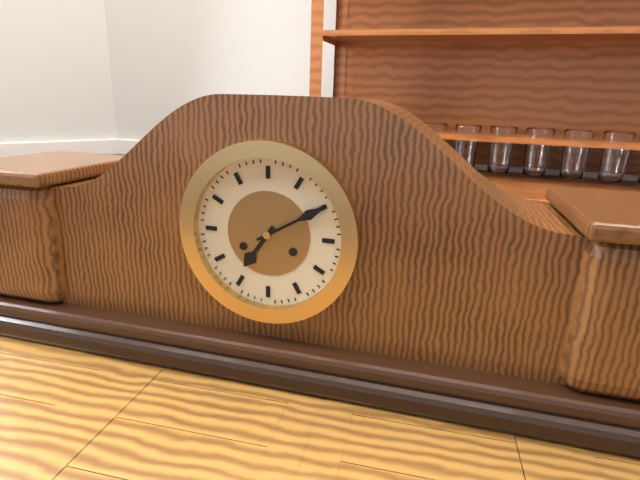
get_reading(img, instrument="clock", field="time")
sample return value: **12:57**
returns **7:10**
